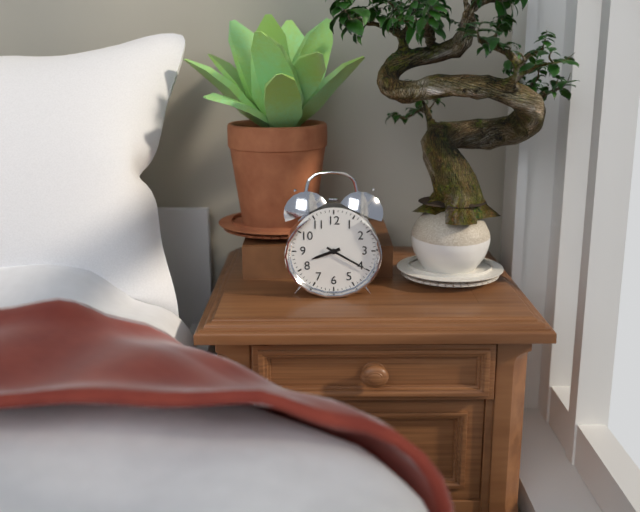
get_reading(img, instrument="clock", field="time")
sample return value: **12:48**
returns **8:20**
